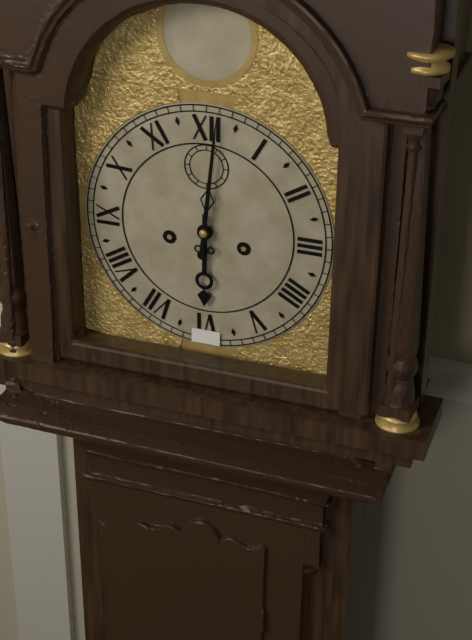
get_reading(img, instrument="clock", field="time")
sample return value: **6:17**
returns **6:01**
